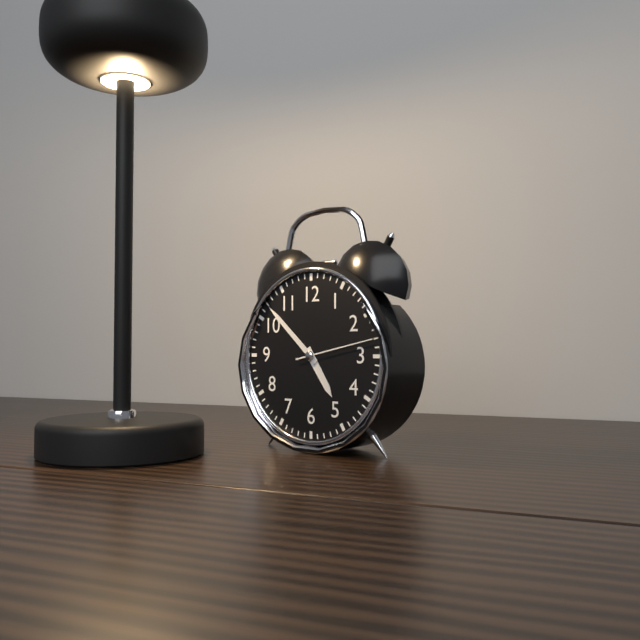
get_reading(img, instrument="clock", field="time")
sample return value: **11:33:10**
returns **4:52:13**
